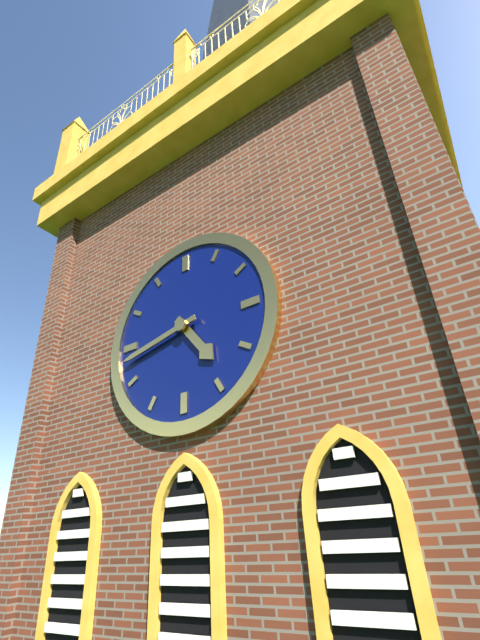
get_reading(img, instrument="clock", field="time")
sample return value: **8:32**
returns **4:43**
